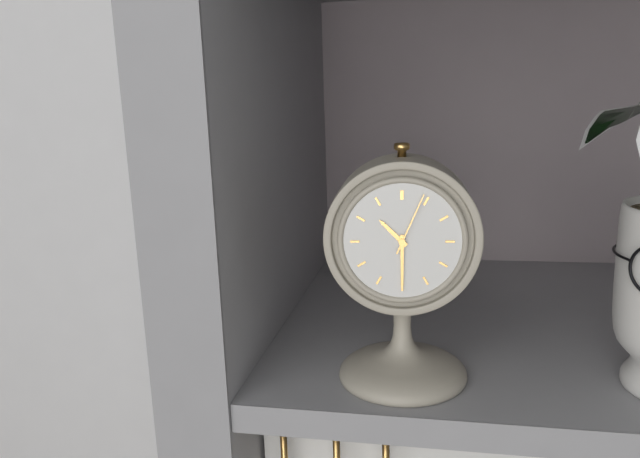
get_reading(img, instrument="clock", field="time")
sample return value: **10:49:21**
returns **10:30:04**
